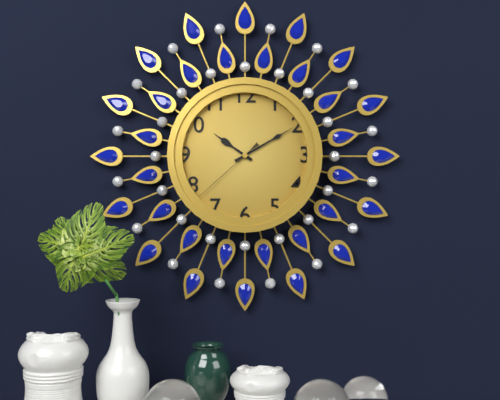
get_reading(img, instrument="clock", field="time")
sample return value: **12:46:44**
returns **10:10:38**
